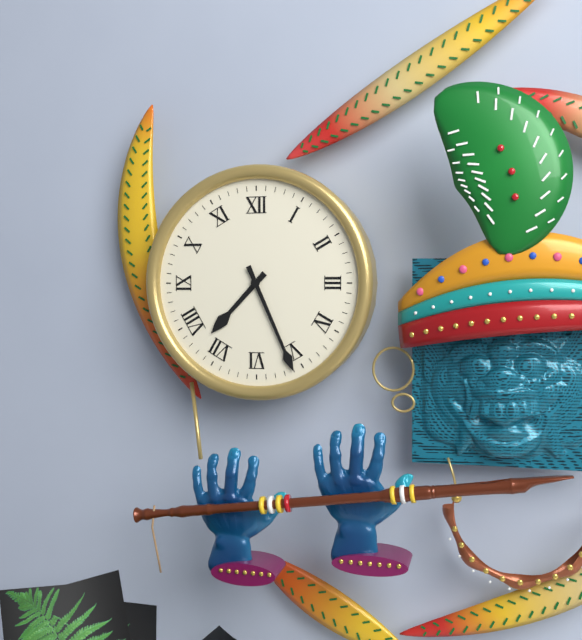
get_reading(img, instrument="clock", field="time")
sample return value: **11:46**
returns **7:26**
